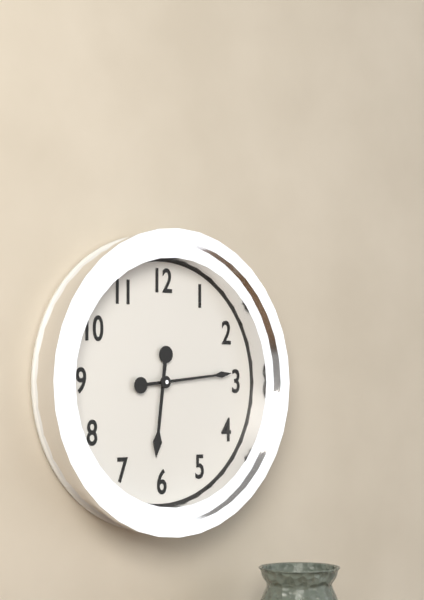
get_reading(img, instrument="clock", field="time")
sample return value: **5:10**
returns **6:14**
